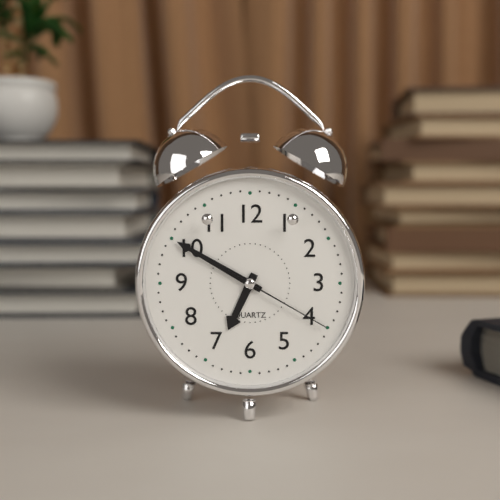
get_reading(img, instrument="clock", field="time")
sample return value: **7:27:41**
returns **6:50:20**
